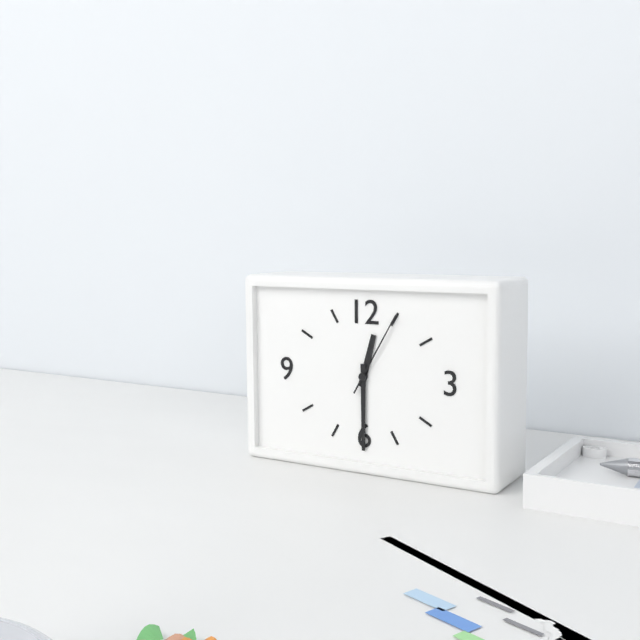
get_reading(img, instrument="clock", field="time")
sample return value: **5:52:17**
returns **12:30:05**
